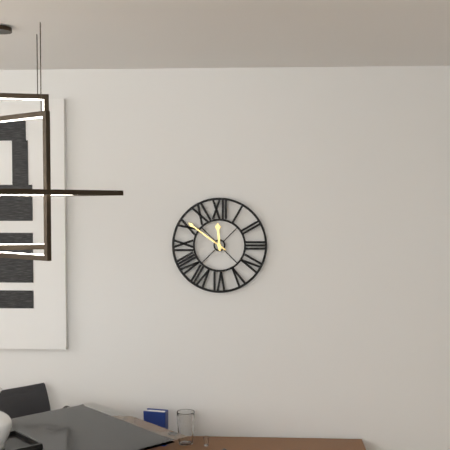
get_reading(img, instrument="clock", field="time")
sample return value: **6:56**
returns **11:51**
